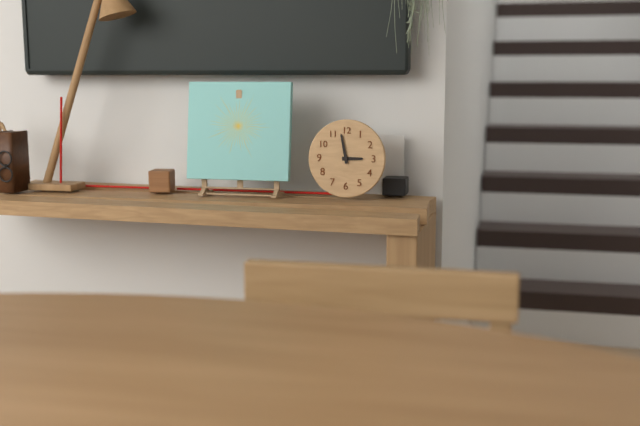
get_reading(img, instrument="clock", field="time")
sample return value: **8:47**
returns **2:58**
